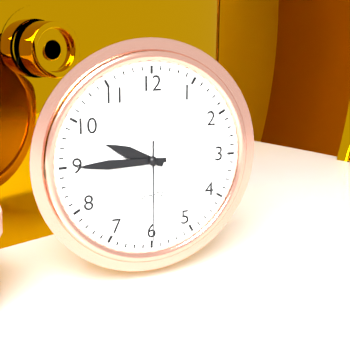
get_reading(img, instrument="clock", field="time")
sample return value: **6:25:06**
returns **9:45:30**
